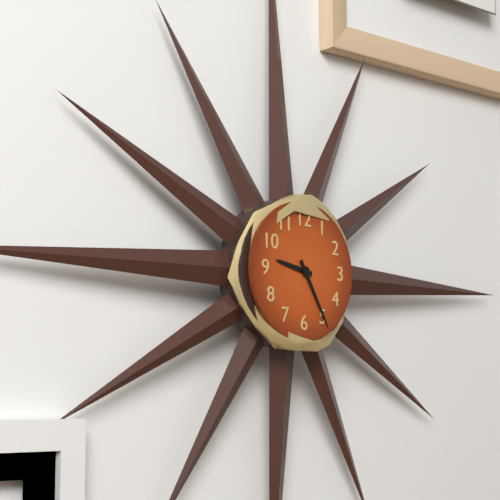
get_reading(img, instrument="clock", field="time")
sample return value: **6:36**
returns **9:25**
